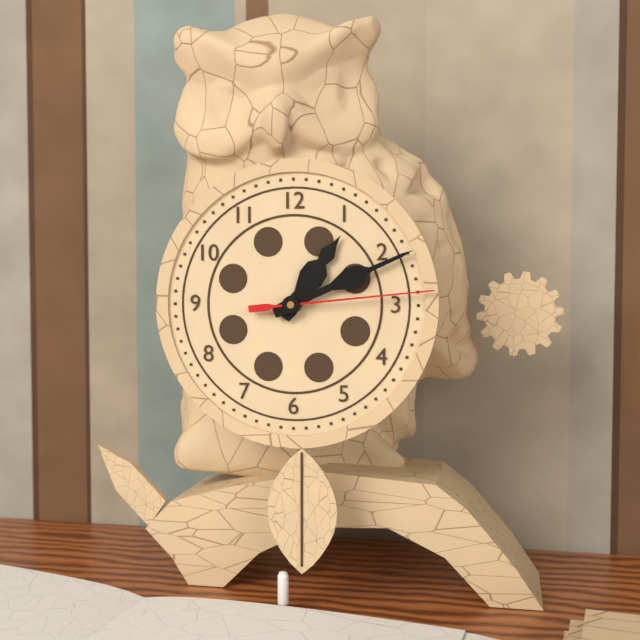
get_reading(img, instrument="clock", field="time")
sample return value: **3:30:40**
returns **1:11:14**
